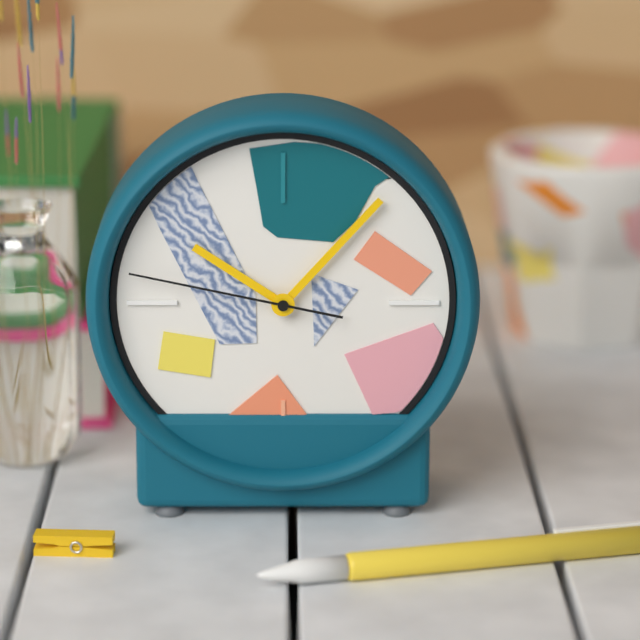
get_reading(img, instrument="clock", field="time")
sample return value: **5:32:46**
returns **10:07:47**
